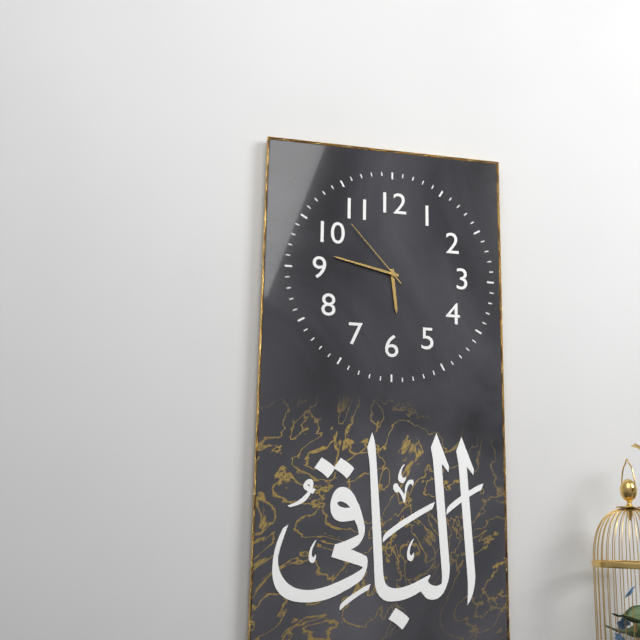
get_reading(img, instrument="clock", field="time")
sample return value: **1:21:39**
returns **5:47:53**
